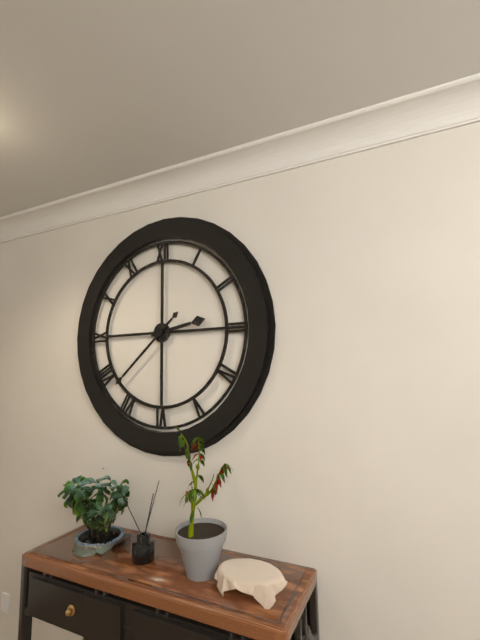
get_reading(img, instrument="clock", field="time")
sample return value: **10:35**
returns **2:38**
